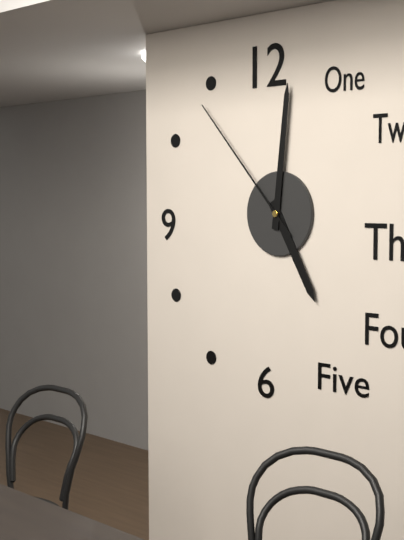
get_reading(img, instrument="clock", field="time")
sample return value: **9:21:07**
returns **5:01:53**
